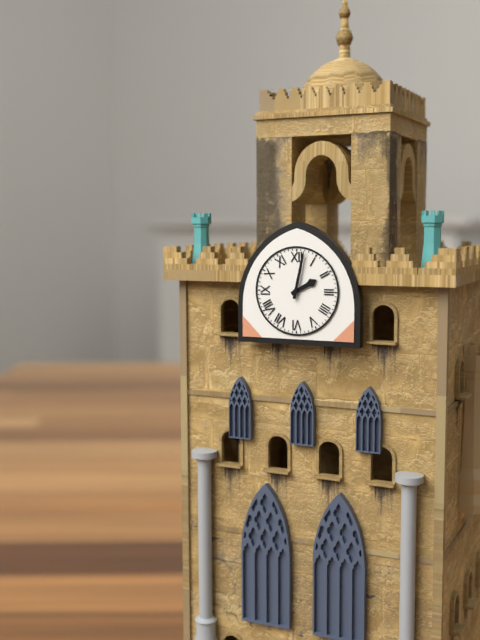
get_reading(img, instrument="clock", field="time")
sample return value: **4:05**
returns **2:02**
